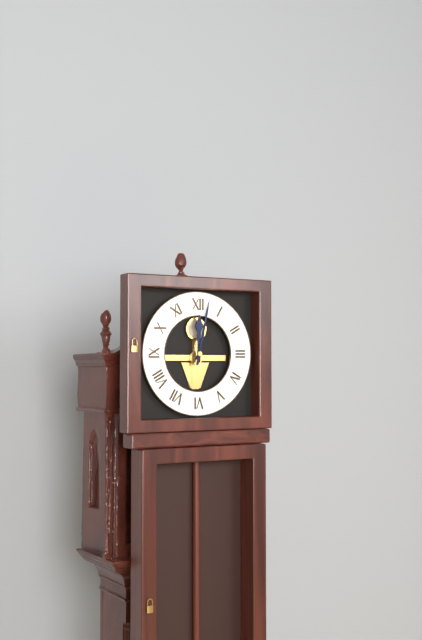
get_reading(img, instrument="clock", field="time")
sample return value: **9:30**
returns **12:02**
